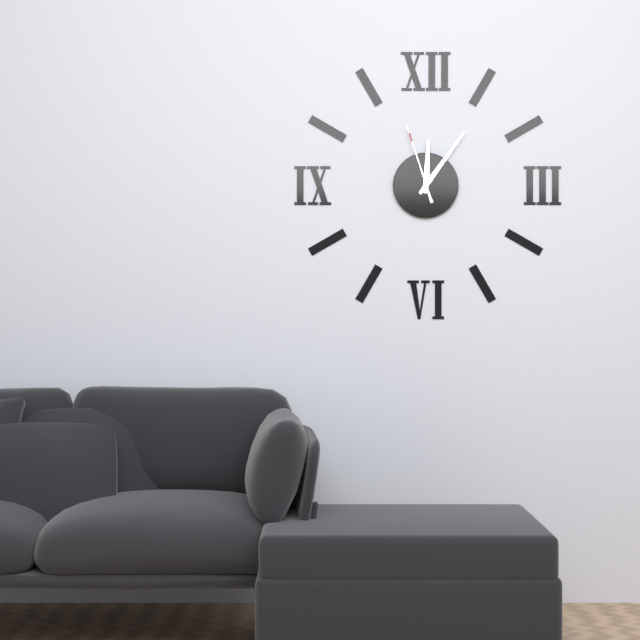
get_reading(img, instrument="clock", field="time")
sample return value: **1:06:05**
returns **12:06:57**
